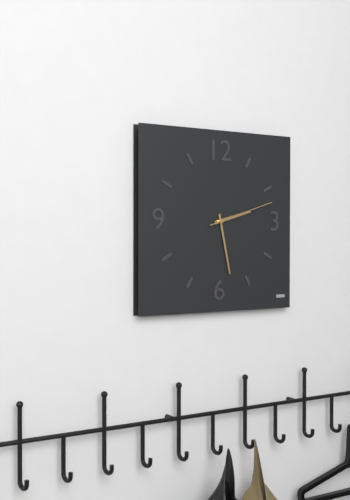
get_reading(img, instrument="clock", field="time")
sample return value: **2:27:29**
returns **2:28:12**
